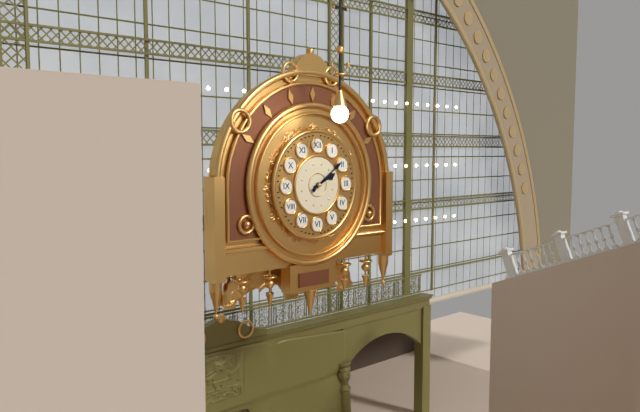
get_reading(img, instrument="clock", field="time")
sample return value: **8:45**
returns **2:09**
